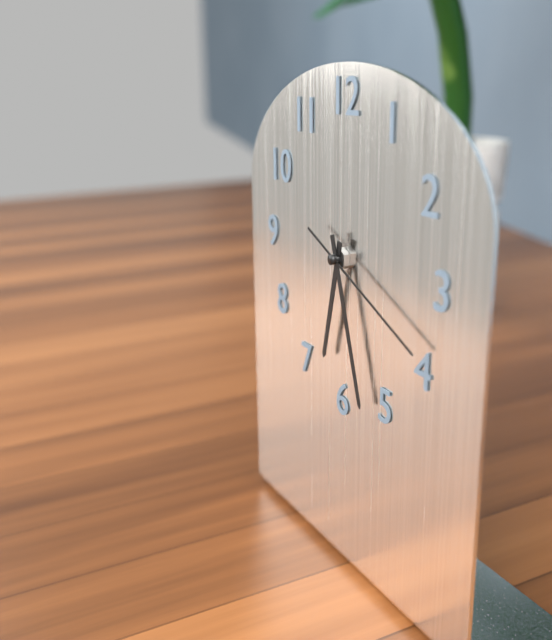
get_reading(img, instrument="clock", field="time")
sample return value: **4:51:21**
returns **6:27:19**
